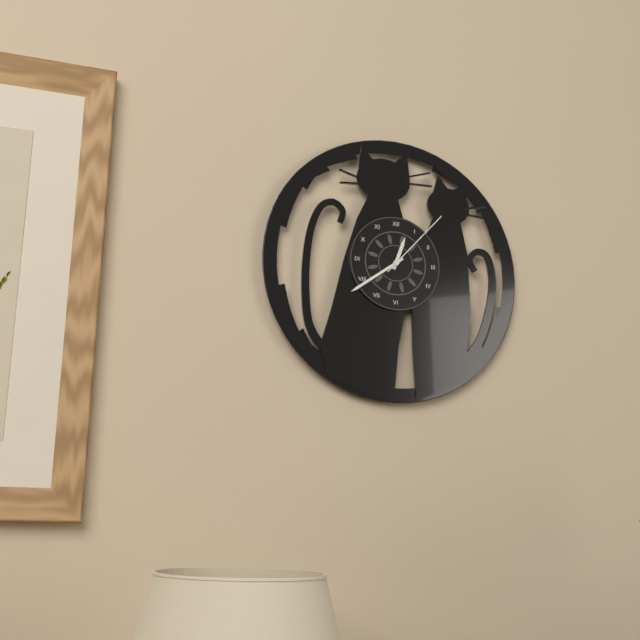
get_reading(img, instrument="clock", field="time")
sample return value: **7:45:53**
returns **12:39:07**
